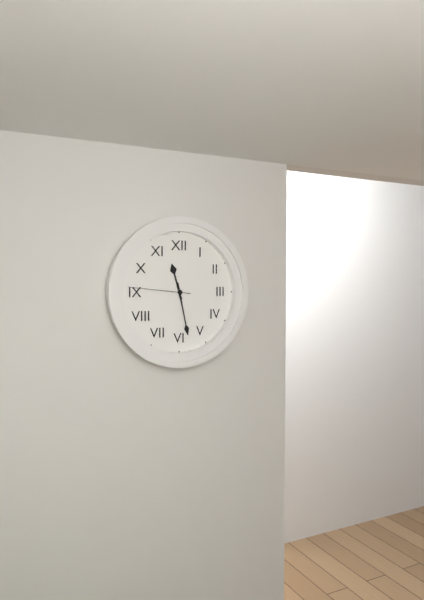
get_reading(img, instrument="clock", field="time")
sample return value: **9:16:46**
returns **11:28:46**
